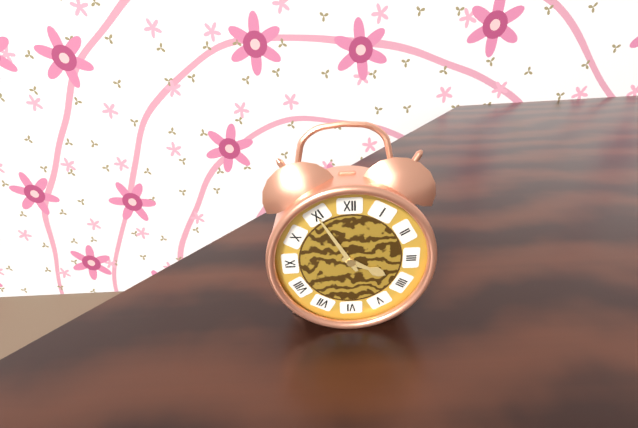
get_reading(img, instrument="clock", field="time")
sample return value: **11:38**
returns **3:55**
